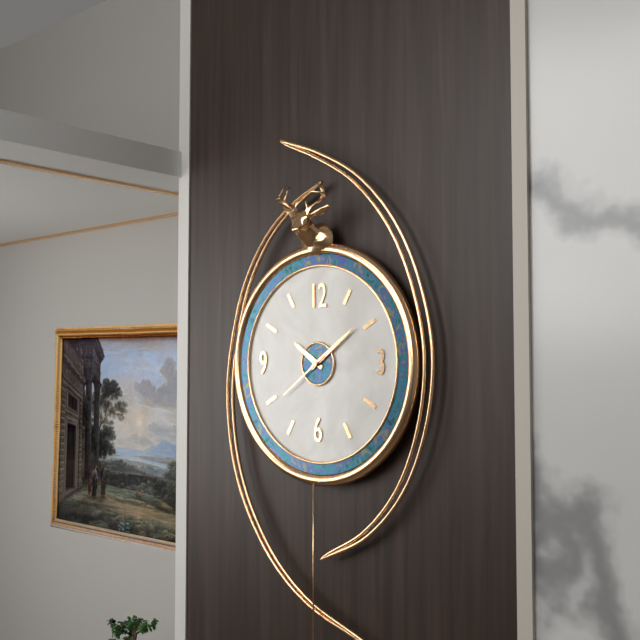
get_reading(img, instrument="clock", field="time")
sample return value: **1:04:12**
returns **10:09:39**
